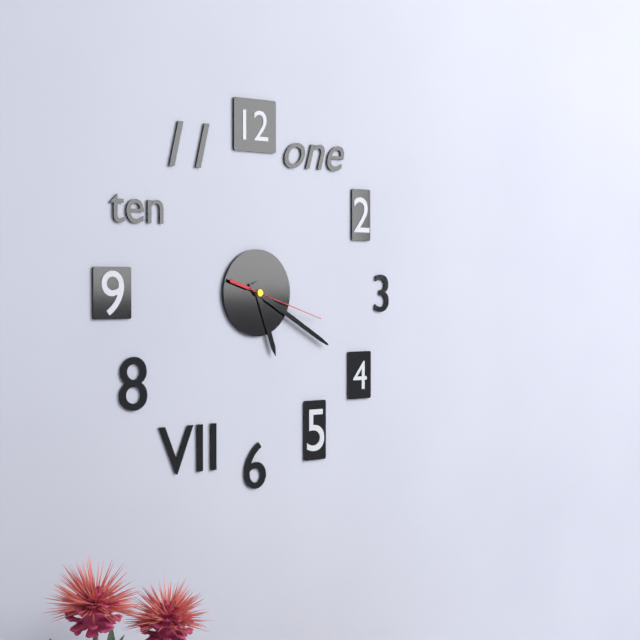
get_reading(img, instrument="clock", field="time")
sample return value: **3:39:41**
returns **5:20:18**
